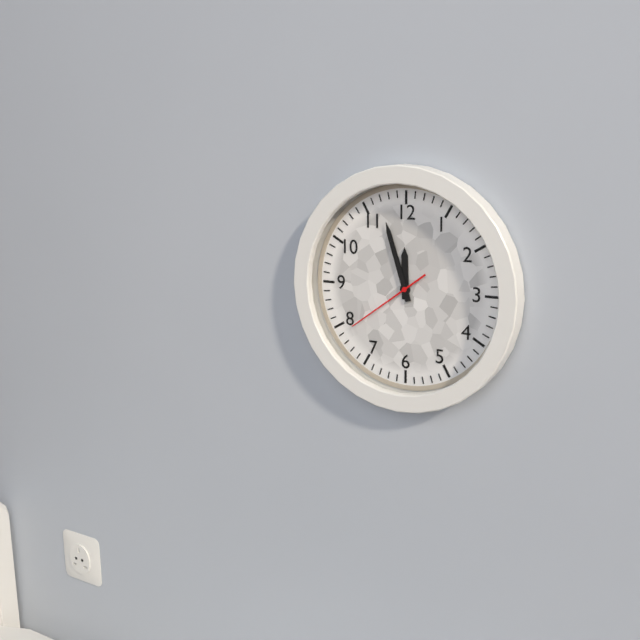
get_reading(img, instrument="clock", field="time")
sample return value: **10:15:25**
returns **11:57:39**
